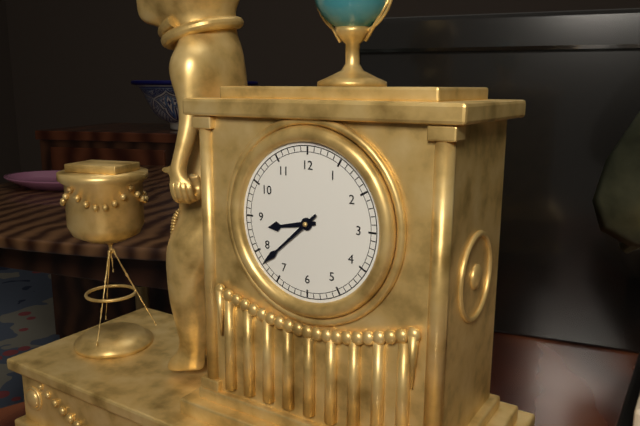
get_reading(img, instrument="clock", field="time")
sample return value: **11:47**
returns **8:38**
